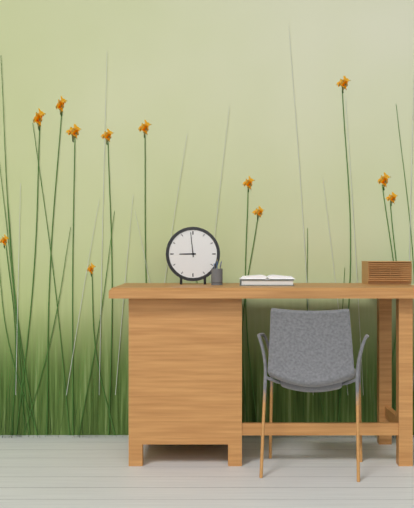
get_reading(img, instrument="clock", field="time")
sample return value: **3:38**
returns **8:59**
